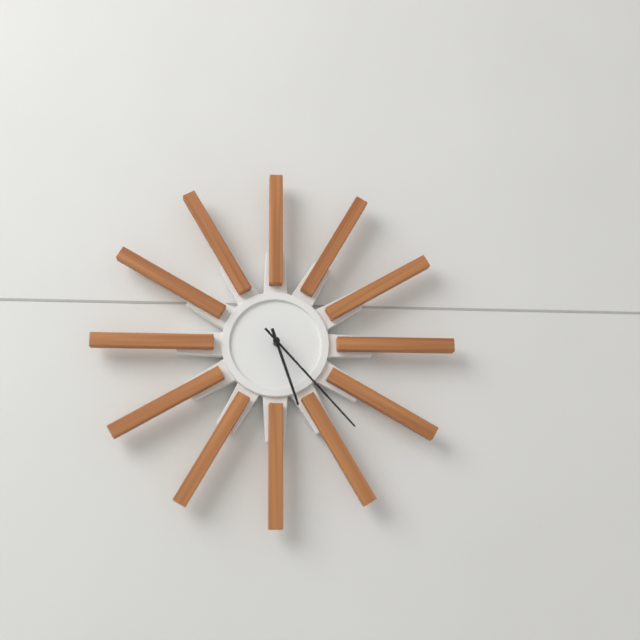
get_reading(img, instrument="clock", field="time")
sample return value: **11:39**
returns **5:23**
